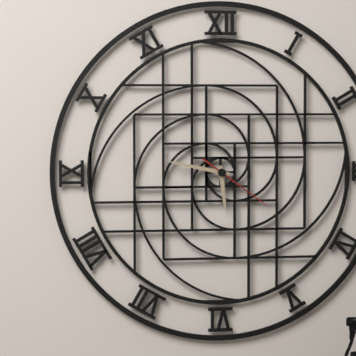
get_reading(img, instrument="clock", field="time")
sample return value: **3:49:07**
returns **5:47:21**
